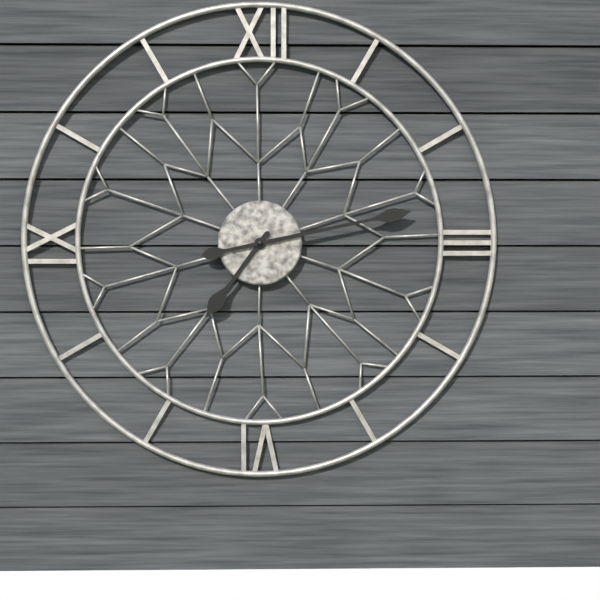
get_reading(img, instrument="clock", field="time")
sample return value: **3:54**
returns **7:13**
